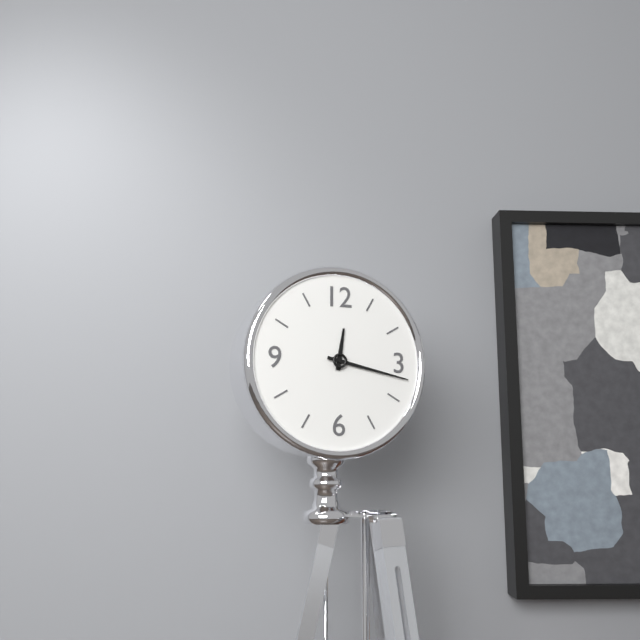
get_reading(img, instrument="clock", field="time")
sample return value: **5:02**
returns **12:17**
